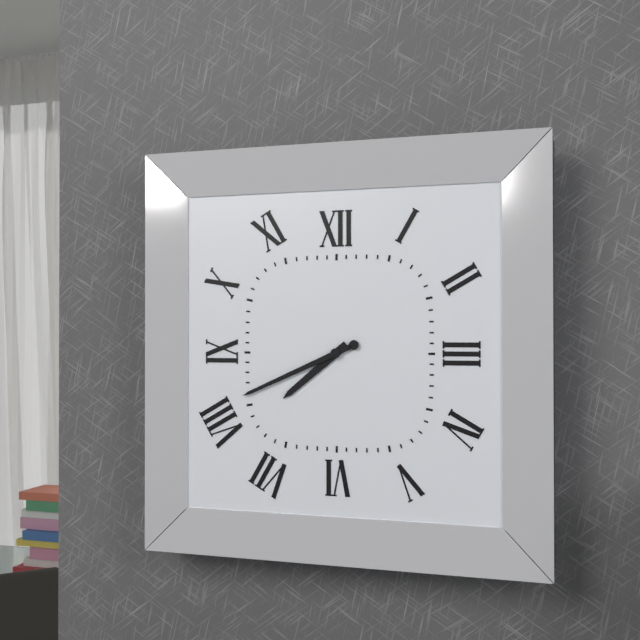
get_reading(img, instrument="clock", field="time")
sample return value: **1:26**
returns **7:41**
